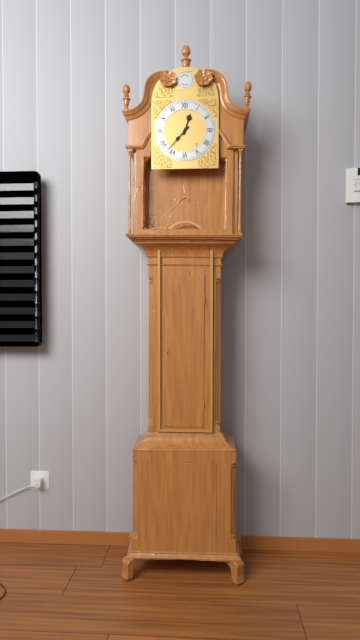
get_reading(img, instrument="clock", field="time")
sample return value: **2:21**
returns **12:37**
